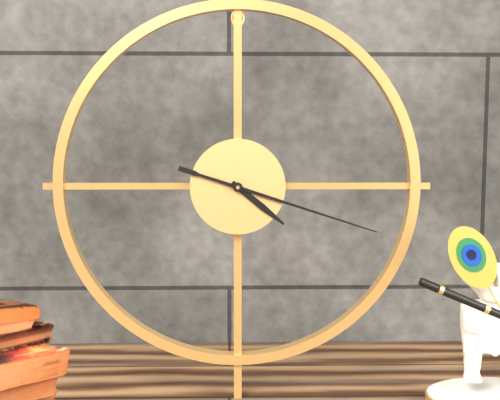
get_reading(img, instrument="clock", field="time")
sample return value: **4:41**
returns **4:18**
